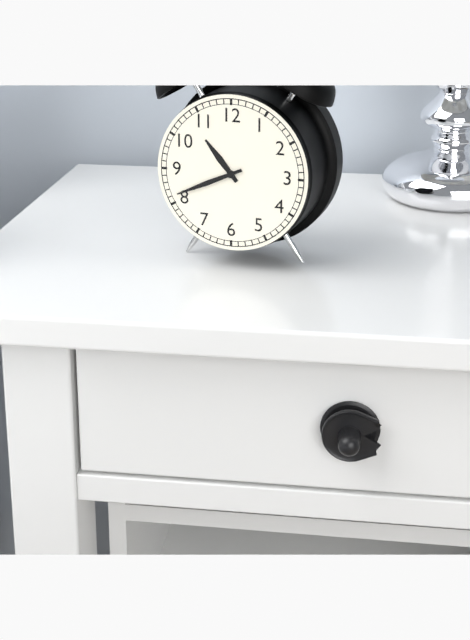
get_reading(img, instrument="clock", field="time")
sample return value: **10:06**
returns **10:41**
